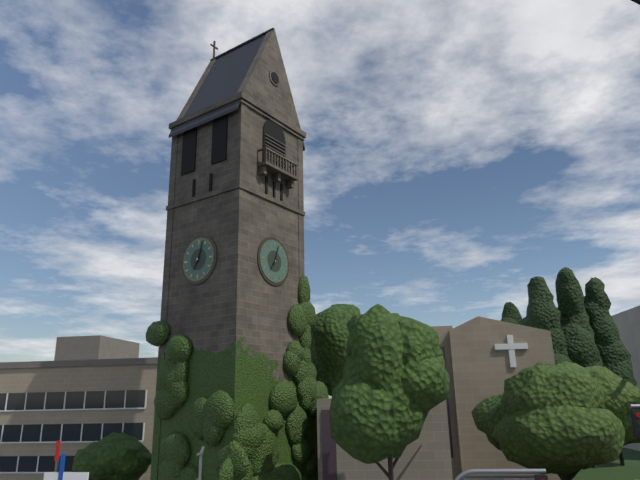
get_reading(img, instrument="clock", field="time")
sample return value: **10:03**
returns **7:03**
